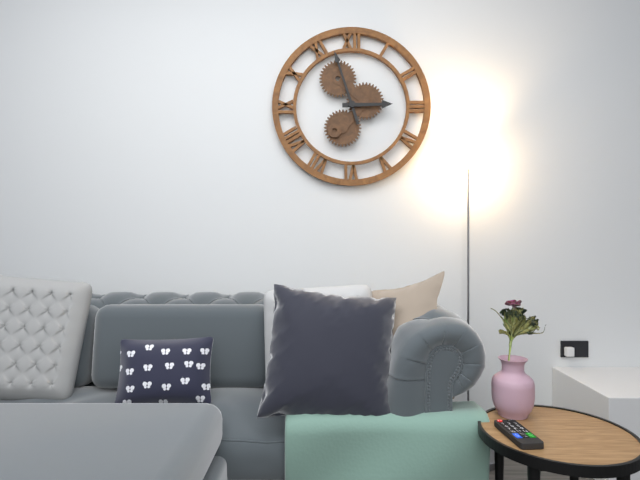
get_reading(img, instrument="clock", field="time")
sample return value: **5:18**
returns **2:57**
